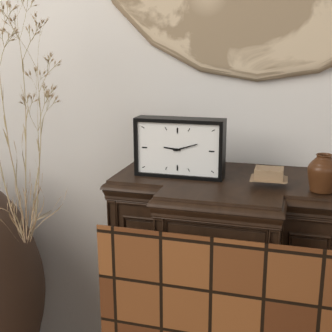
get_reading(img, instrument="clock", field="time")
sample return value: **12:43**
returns **9:12**
